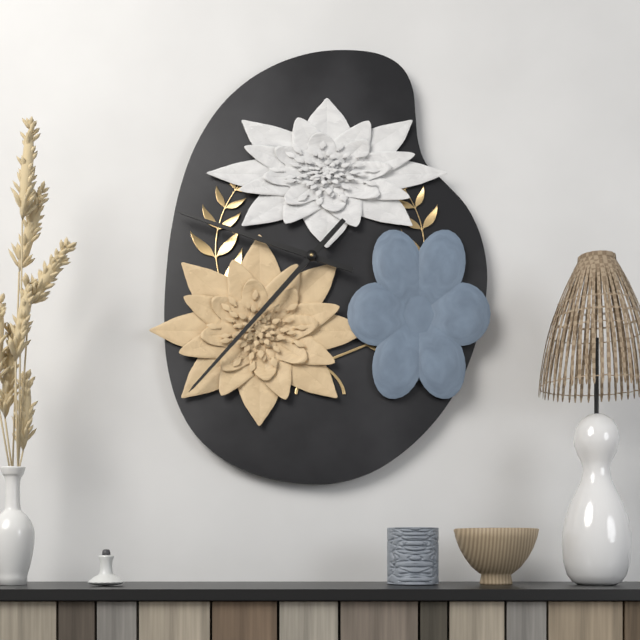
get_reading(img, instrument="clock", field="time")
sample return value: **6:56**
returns **9:37**
